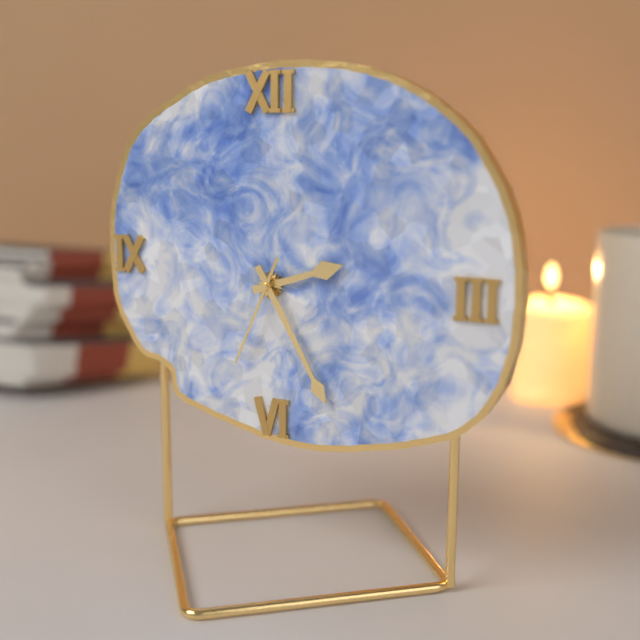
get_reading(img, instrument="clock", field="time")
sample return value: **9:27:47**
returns **2:25:34**
